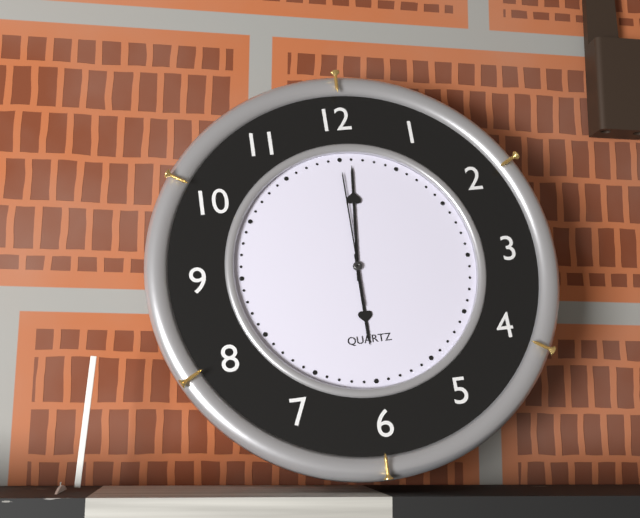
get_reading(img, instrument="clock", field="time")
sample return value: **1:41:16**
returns **6:01:00**
